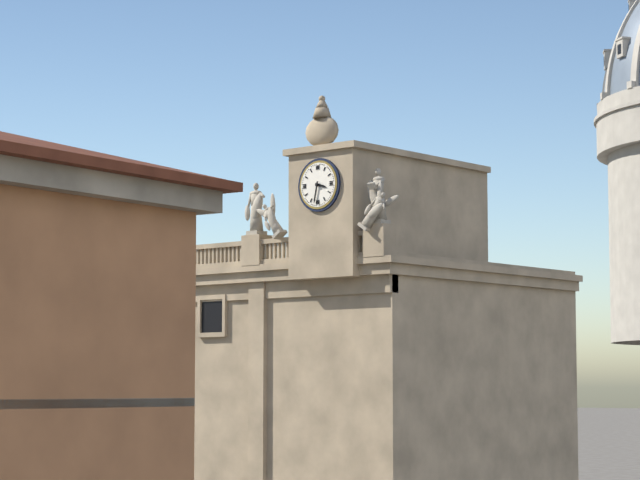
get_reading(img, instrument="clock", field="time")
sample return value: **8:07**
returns **3:32**
